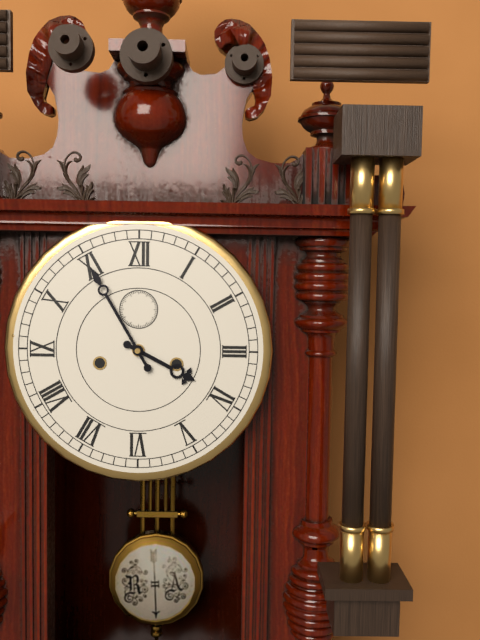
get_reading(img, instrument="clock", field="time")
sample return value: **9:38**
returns **3:55**
